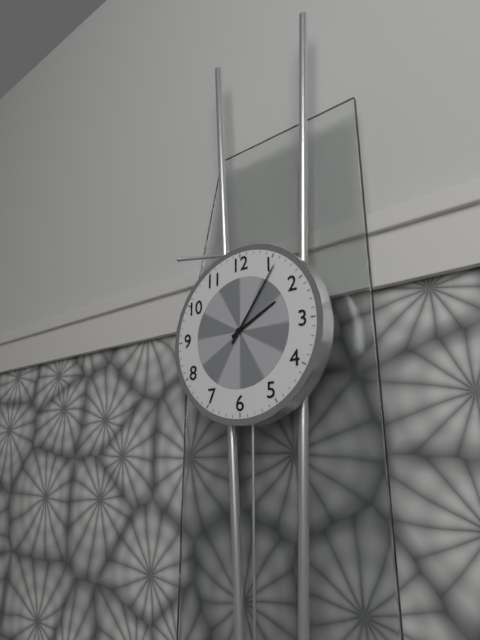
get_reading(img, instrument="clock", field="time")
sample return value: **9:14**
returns **2:06**
